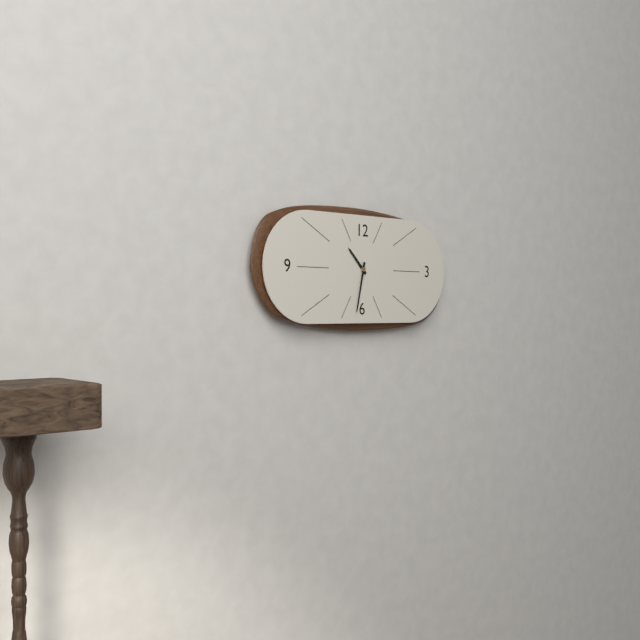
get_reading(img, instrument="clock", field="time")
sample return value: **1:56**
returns **10:32**
